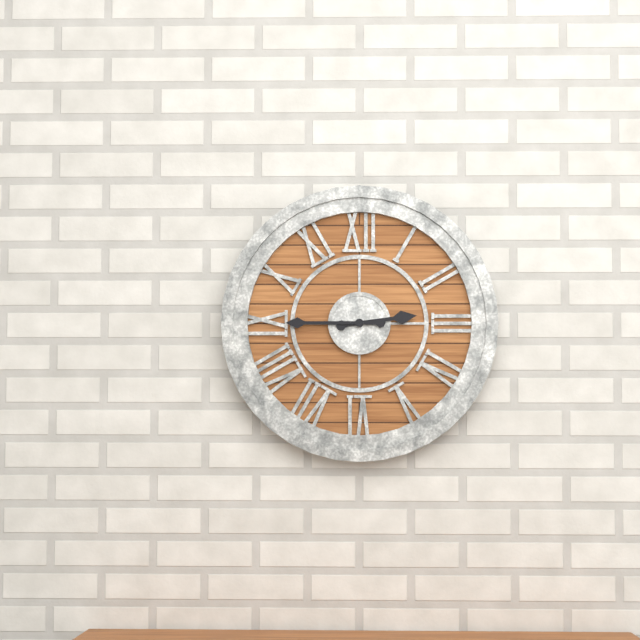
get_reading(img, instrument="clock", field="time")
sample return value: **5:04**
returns **2:45**
